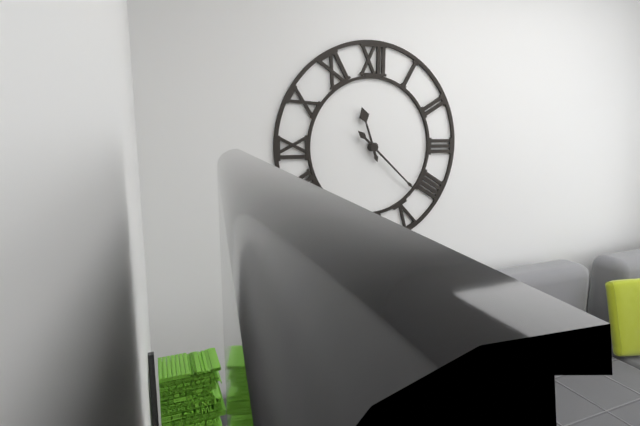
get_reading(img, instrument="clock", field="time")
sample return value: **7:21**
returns **11:22**
